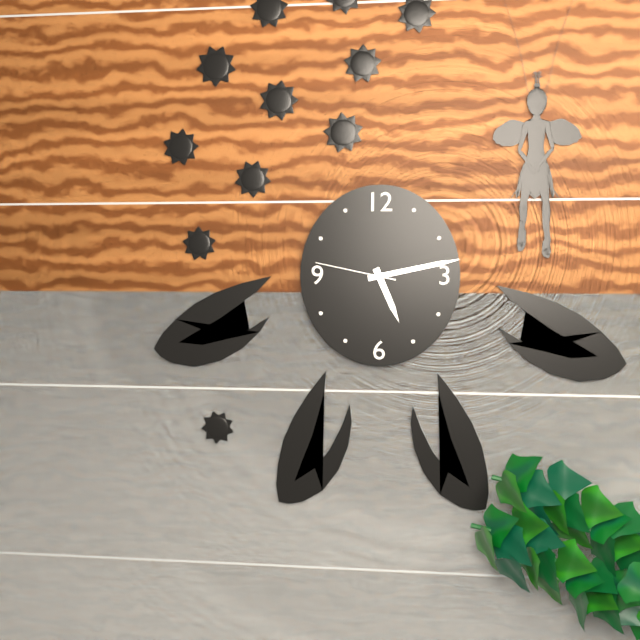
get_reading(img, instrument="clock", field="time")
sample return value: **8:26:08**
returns **5:13:47**
